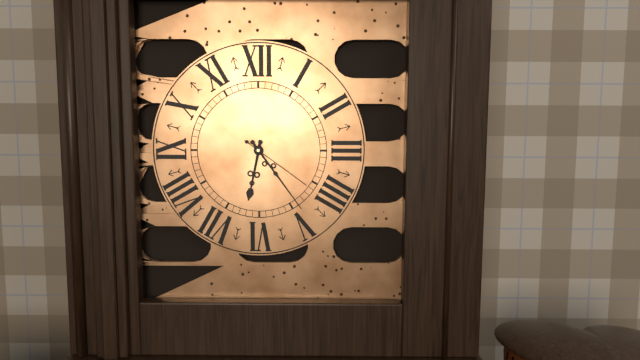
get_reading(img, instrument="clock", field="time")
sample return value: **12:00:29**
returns **6:24:21**
